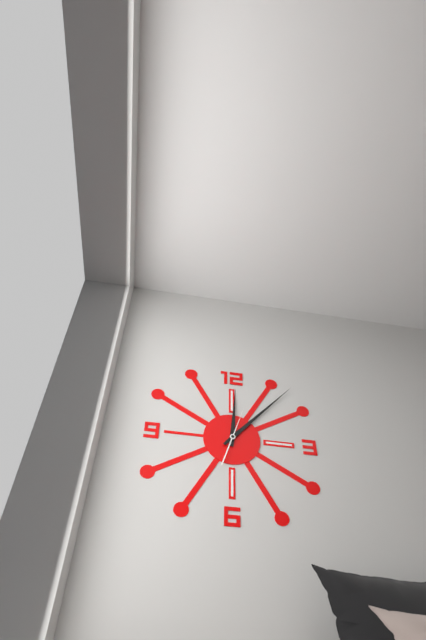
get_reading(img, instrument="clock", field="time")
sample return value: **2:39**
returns **12:07**
